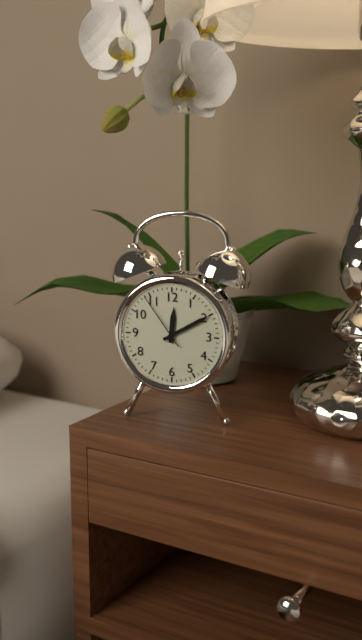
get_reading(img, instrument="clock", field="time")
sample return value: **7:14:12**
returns **12:10:54**
